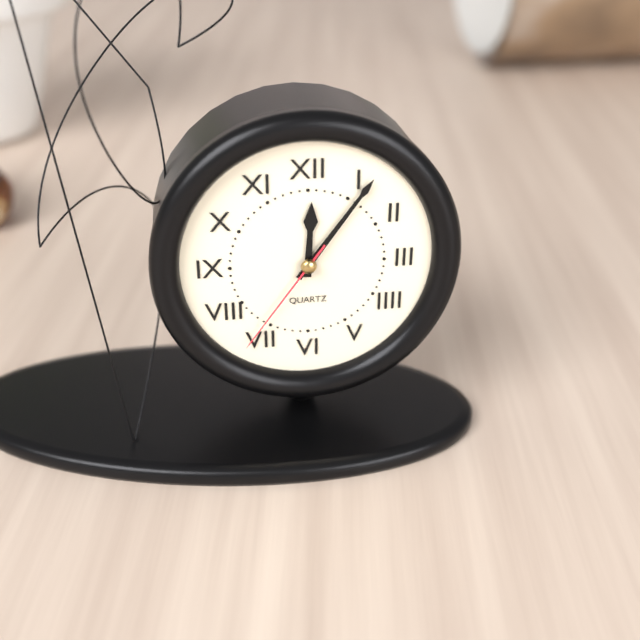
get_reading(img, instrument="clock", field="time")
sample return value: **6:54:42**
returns **12:06:36**
